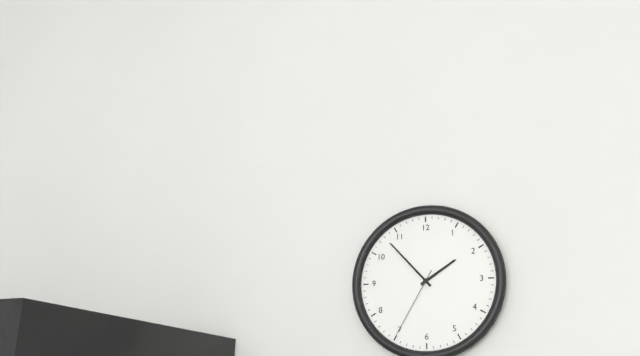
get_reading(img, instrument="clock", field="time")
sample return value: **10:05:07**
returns **1:53:35**
